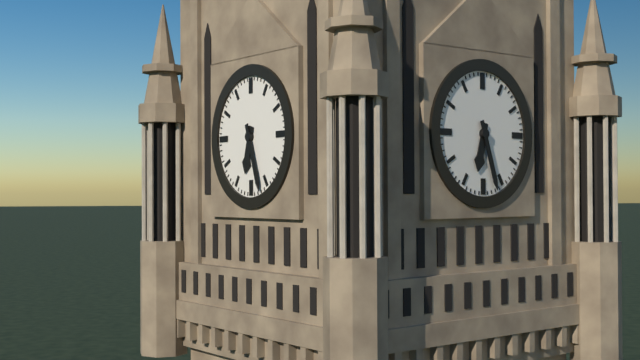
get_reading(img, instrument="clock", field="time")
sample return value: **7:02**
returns **6:27**
